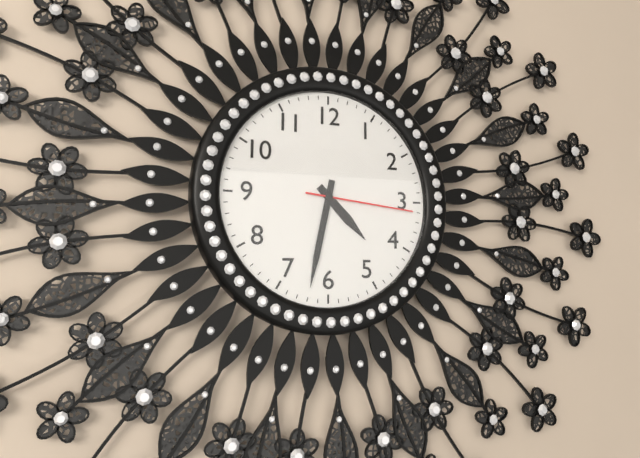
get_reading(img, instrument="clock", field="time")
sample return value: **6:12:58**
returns **4:32:16**
